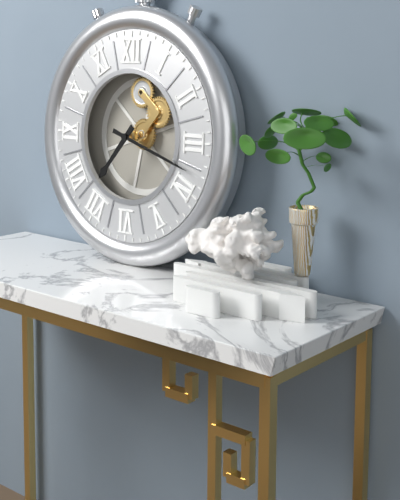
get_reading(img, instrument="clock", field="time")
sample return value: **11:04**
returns **7:18**
